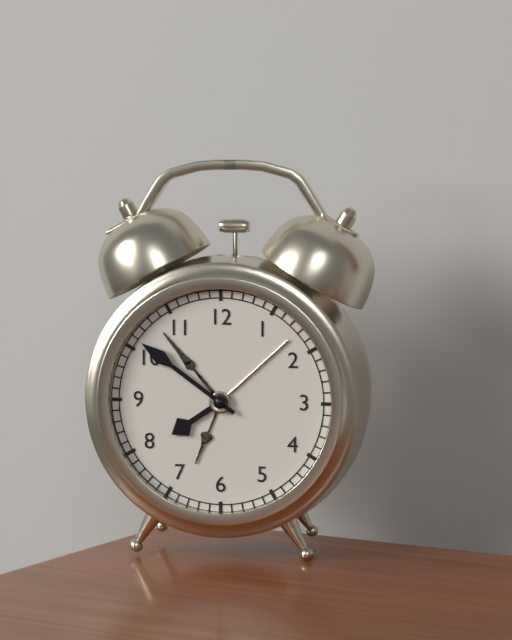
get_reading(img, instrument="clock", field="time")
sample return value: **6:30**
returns **7:51**
